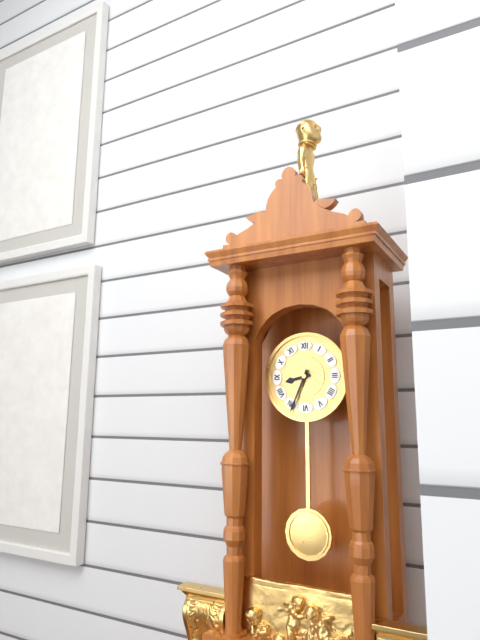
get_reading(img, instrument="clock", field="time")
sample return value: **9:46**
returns **8:34**
